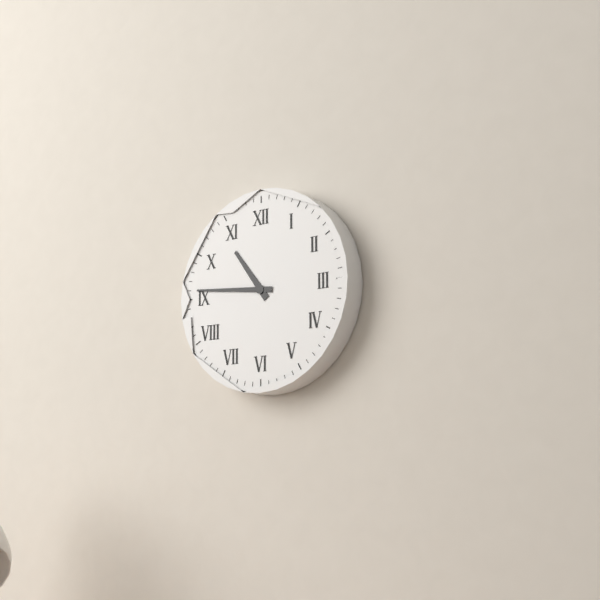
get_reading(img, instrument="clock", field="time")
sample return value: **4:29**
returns **10:46**
